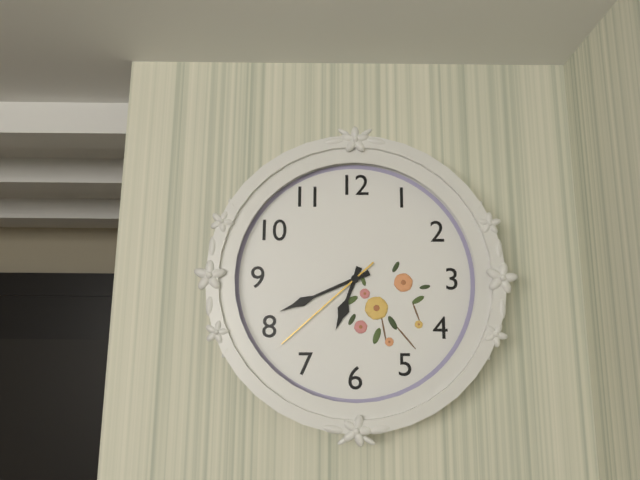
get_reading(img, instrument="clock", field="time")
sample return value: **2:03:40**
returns **6:41:38**
